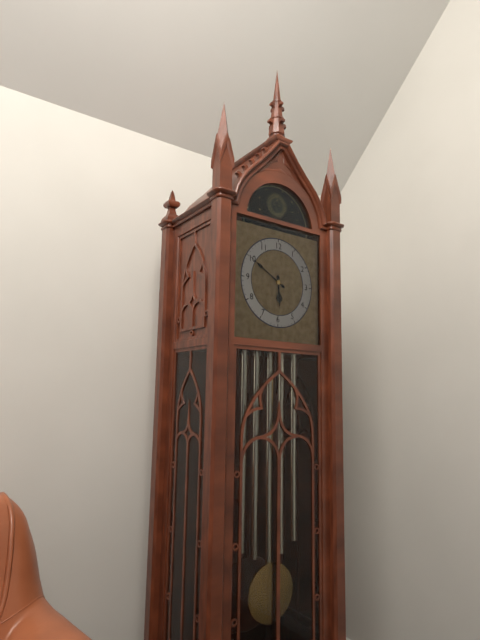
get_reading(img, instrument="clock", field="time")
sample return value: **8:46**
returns **5:50**
